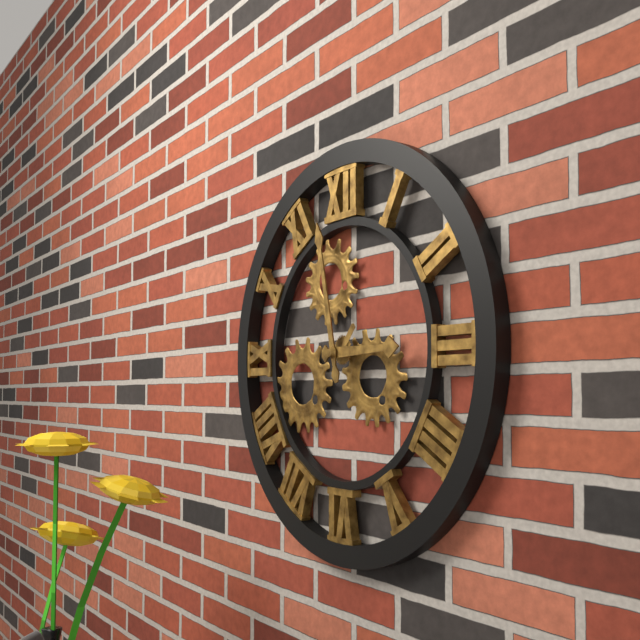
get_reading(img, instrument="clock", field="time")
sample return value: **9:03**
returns **2:58**
